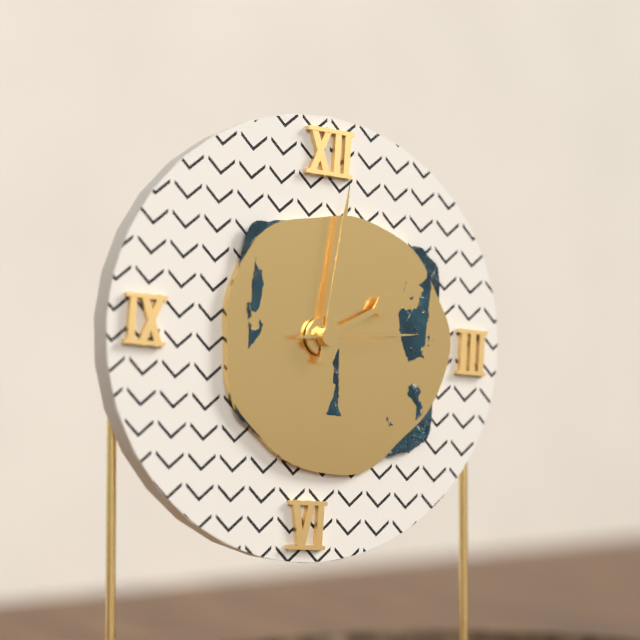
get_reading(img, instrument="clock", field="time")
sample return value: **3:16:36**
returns **2:01:14**
